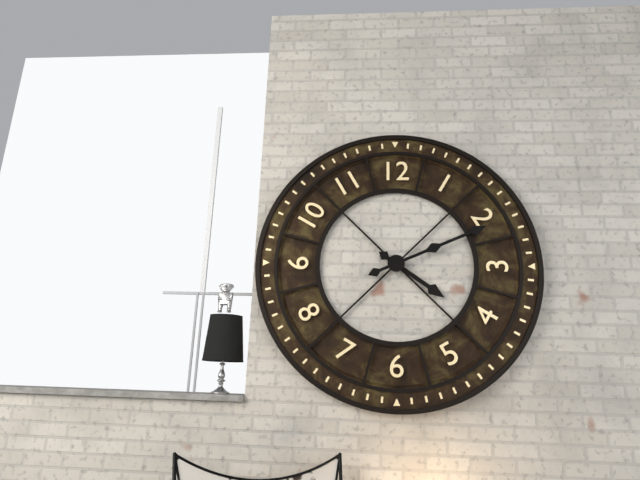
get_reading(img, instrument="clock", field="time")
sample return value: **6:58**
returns **4:11**
